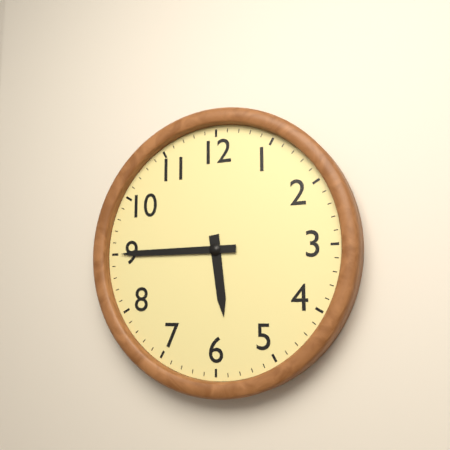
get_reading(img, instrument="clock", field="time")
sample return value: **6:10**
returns **5:45**
